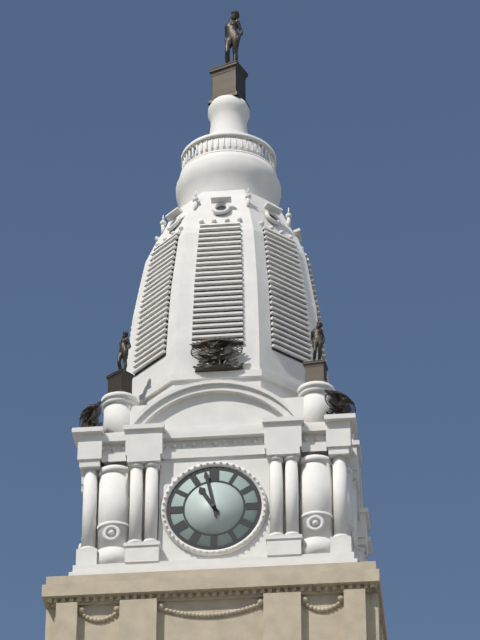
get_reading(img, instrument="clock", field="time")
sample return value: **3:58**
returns **10:58**
